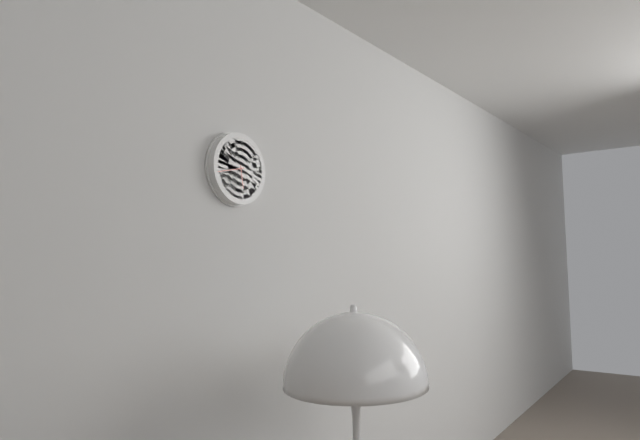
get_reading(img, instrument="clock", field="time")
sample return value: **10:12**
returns **5:43**
